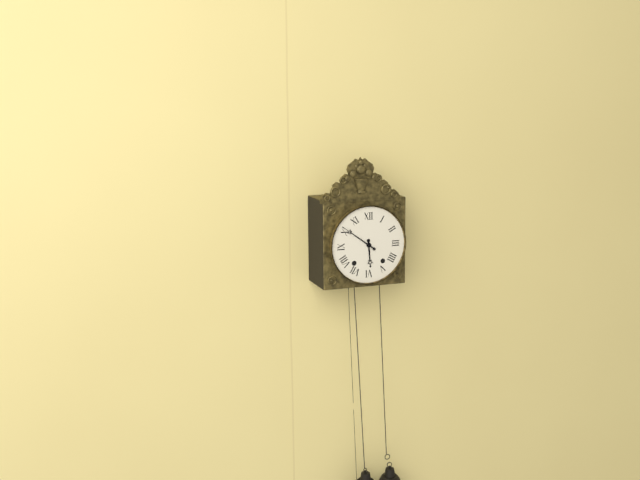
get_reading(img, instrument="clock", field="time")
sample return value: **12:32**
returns **5:51**
